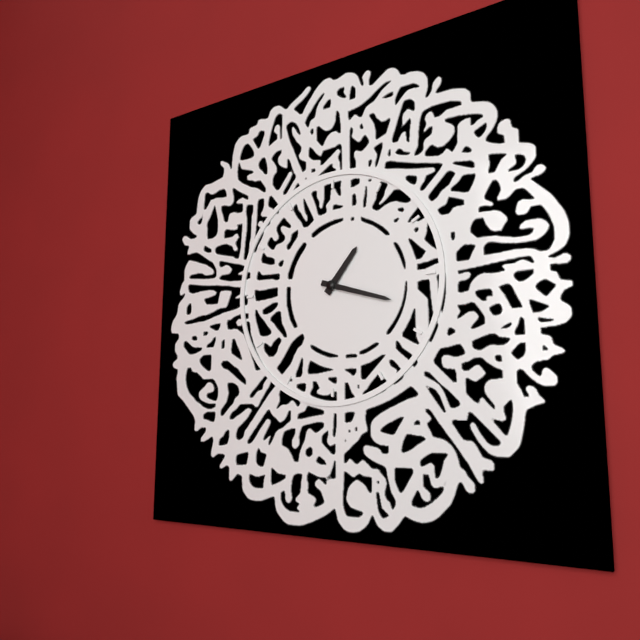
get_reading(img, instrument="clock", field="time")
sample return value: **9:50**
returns **1:18**
